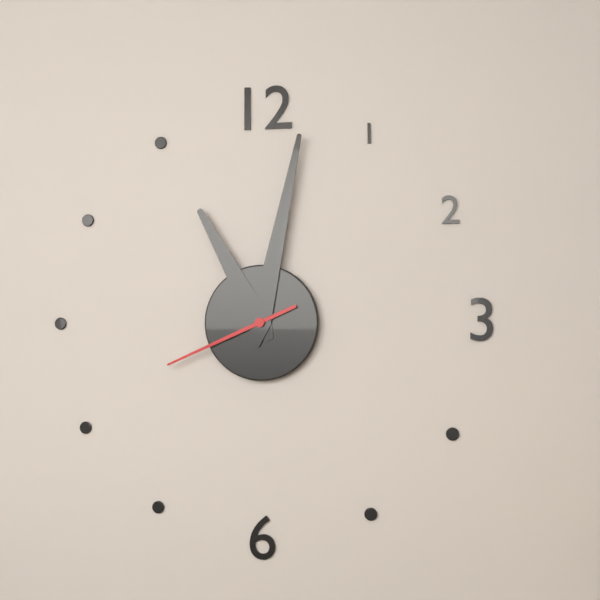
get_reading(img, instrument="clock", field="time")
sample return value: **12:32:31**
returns **11:02:41**
